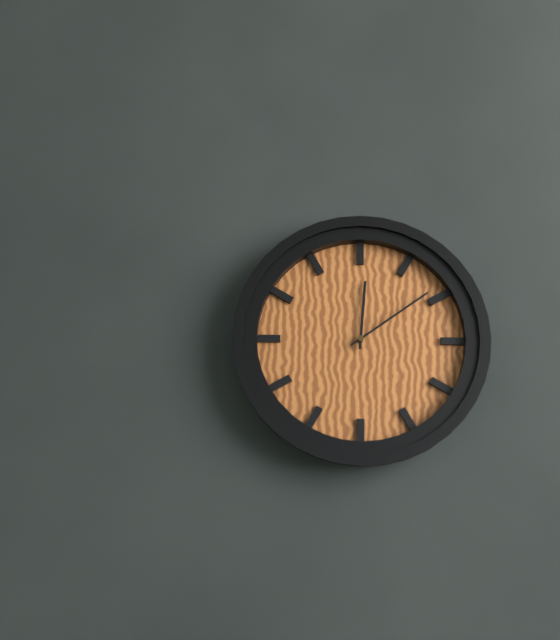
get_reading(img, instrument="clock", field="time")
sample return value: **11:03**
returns **12:09**
